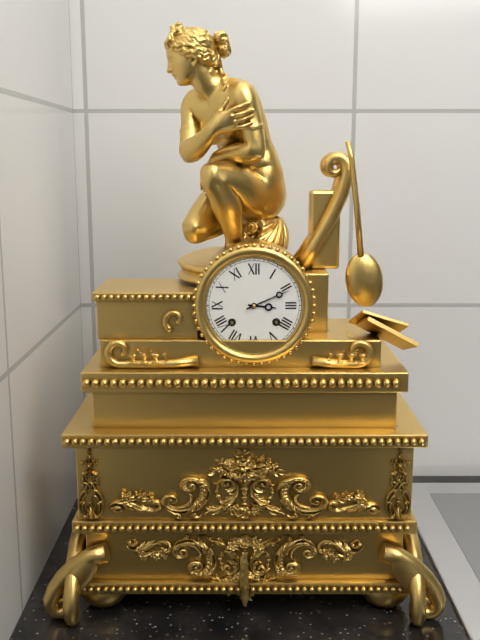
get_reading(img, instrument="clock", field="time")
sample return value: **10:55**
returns **3:11**
